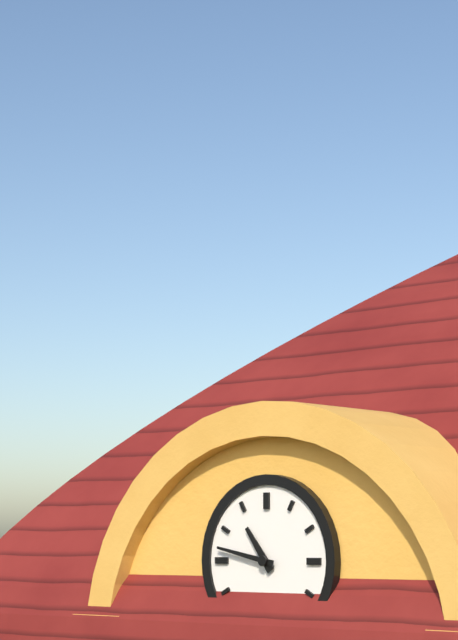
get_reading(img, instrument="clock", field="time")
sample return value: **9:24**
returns **10:47**
